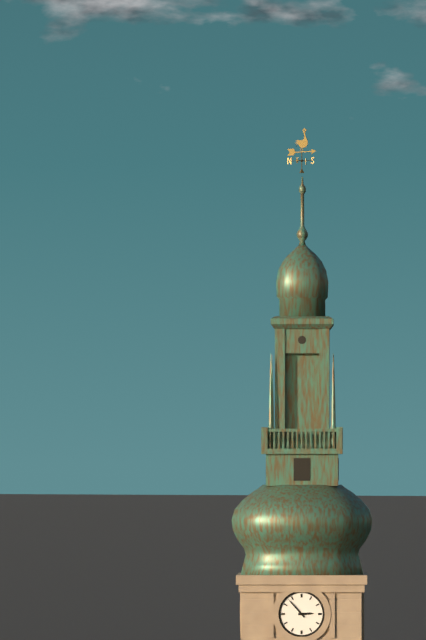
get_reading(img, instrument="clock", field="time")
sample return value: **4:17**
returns **2:53**
